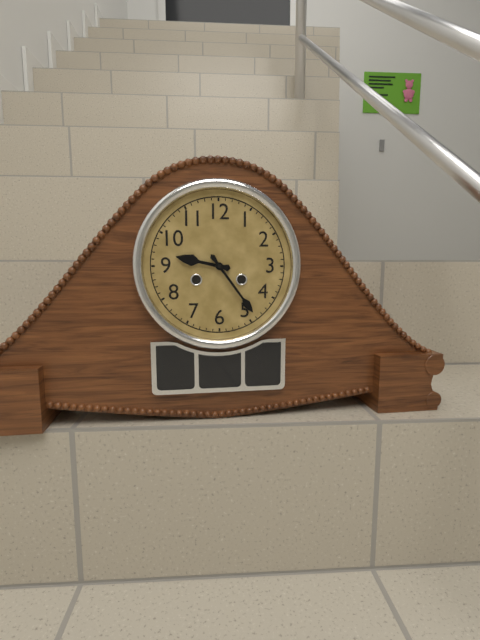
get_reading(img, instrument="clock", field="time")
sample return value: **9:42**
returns **9:24**
